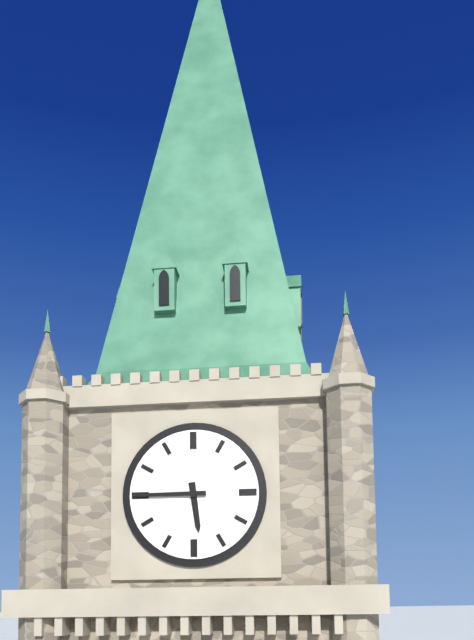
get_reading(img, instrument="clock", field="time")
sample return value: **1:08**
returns **5:45**
